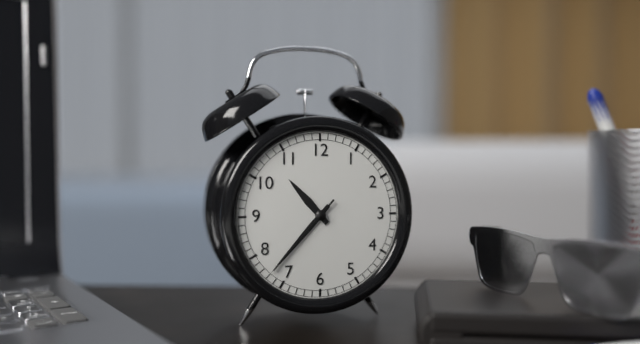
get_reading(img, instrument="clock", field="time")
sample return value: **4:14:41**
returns **10:37:37**
